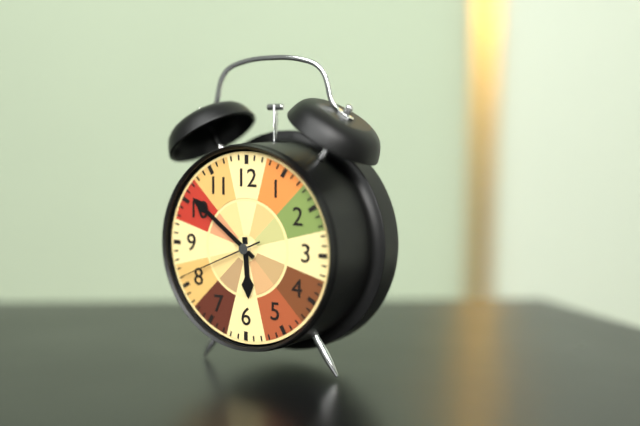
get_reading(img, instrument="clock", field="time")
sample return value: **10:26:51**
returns **5:51:41**
